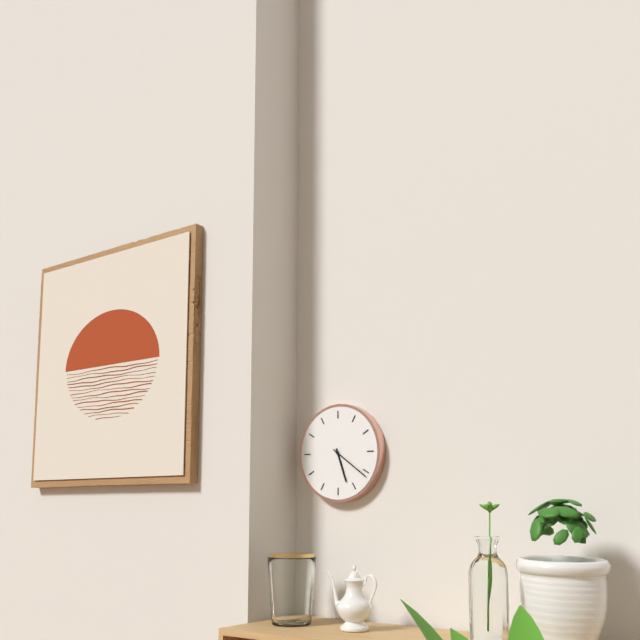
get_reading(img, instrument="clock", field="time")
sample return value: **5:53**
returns **5:21**
